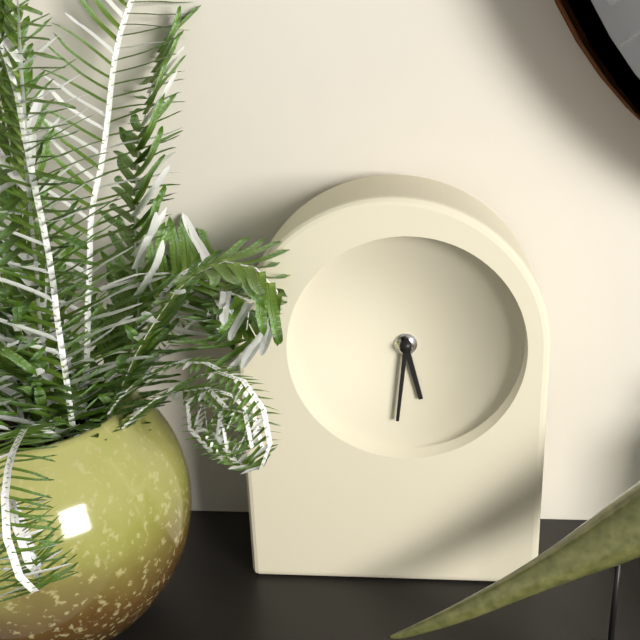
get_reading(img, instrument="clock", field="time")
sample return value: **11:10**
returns **5:31**
